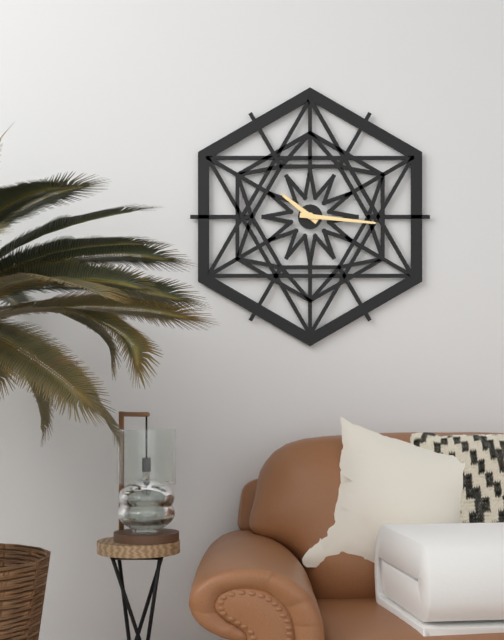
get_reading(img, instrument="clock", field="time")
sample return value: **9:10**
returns **10:16**
